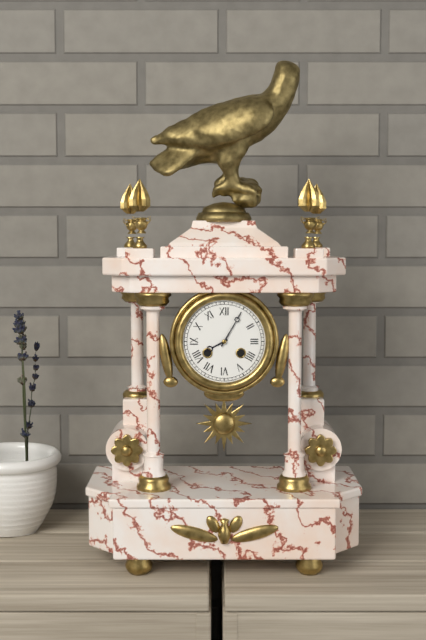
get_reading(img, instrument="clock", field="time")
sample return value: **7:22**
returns **8:05**
